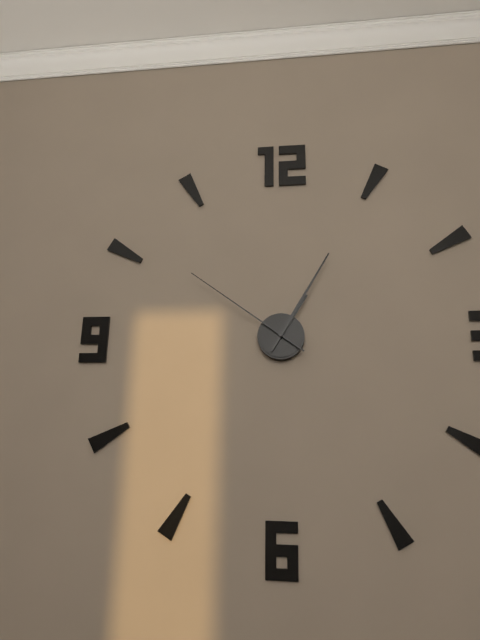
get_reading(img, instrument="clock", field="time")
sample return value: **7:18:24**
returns **1:05:51**
